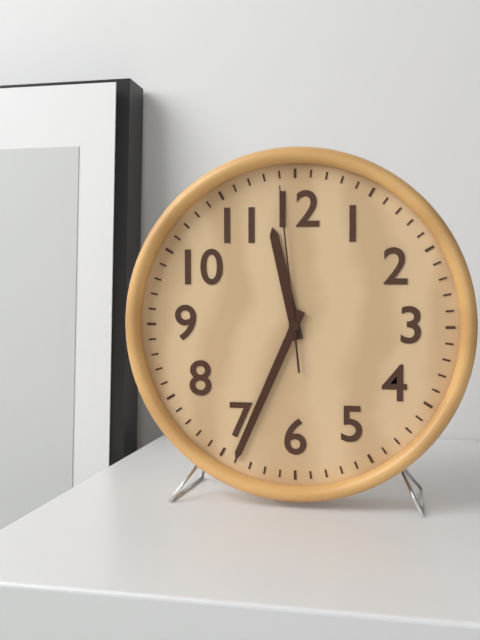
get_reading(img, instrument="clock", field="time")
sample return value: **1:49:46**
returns **11:34:59**
